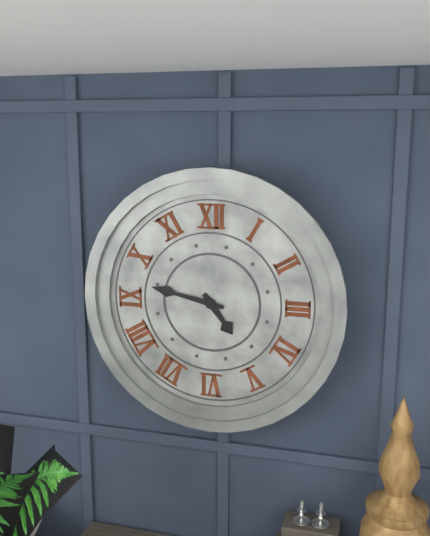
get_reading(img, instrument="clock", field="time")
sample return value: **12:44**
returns **4:47**
